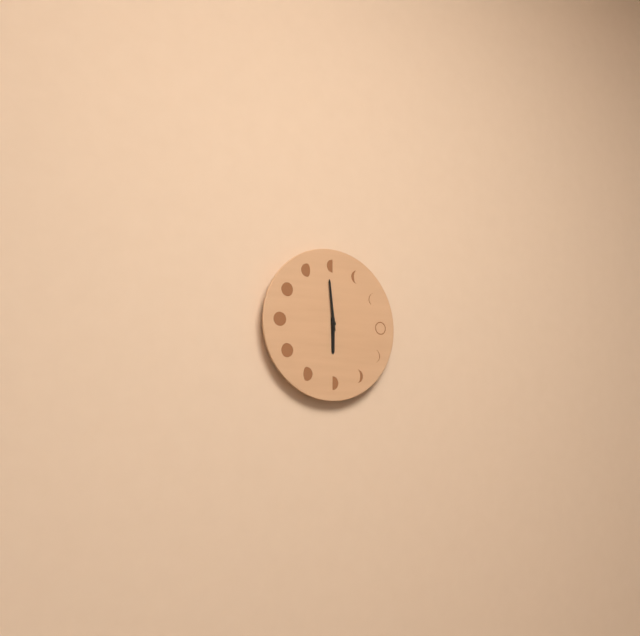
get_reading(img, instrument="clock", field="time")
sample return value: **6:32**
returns **5:59**
